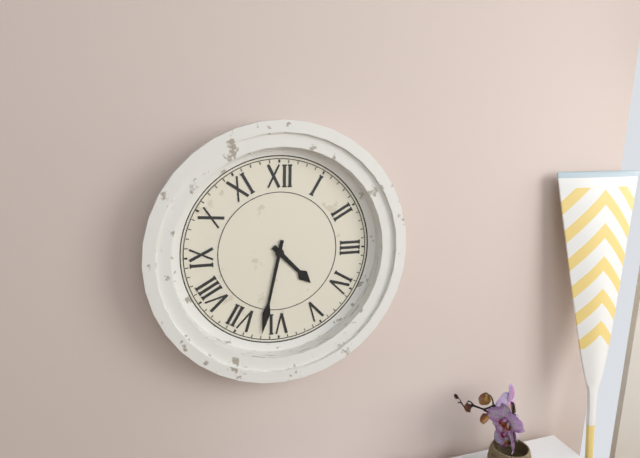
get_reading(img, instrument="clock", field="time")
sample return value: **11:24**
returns **4:32**
